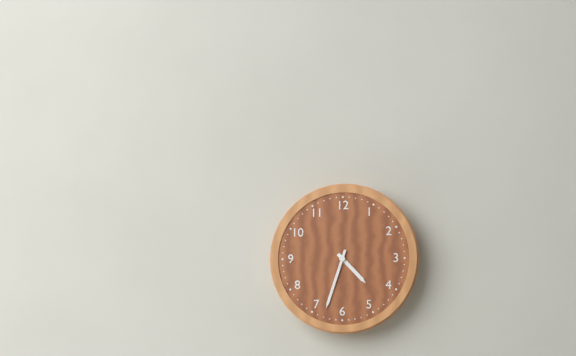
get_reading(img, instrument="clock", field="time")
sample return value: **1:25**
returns **4:33**
